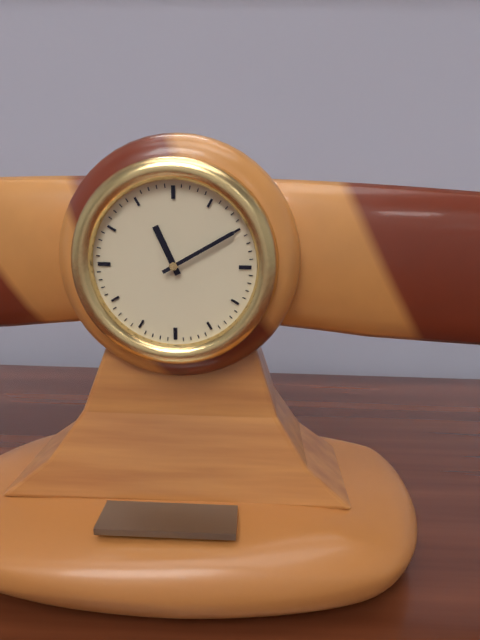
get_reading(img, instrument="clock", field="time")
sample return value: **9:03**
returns **11:10**
